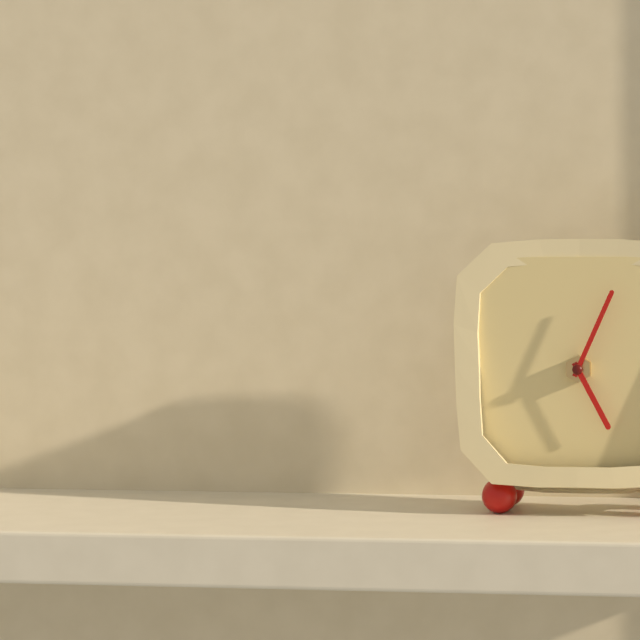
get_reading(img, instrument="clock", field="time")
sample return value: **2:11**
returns **5:04**
